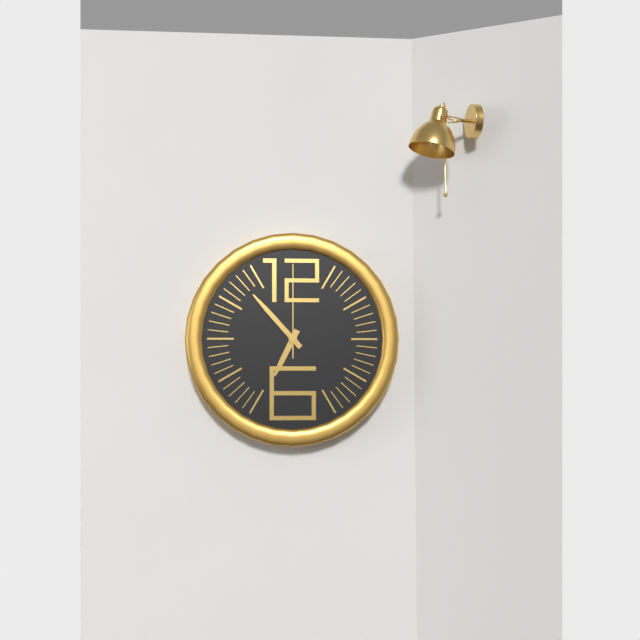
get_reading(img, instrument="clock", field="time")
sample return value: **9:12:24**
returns **6:53:00**
